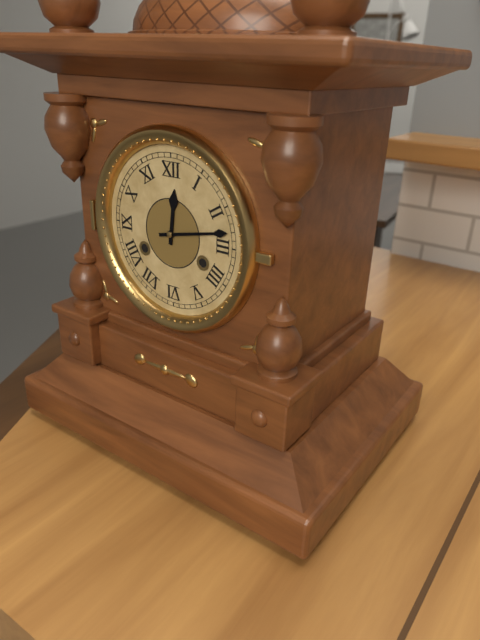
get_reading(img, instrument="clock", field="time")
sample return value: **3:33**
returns **12:13**
